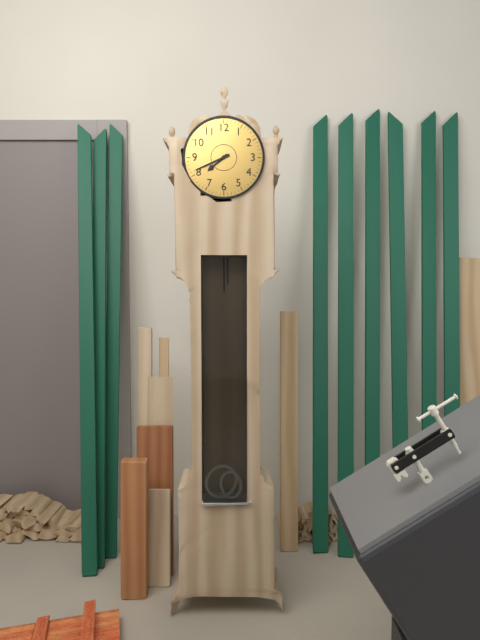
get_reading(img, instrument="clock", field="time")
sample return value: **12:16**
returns **7:41**
